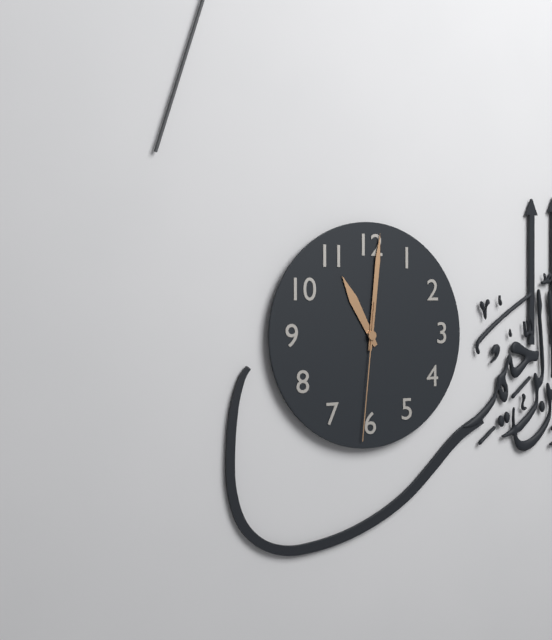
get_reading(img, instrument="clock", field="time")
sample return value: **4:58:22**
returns **11:01:31**
